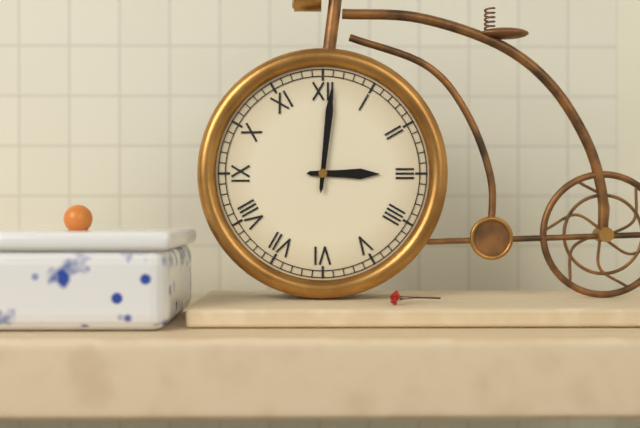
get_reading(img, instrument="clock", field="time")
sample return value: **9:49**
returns **3:01**
